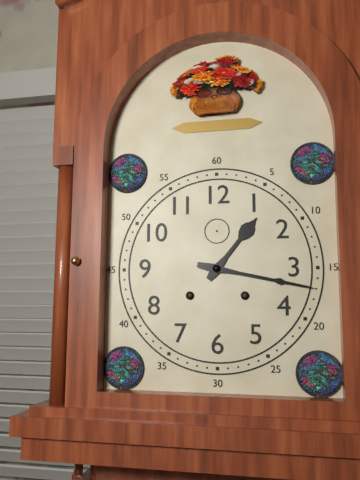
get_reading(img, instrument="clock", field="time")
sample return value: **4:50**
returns **1:17**
